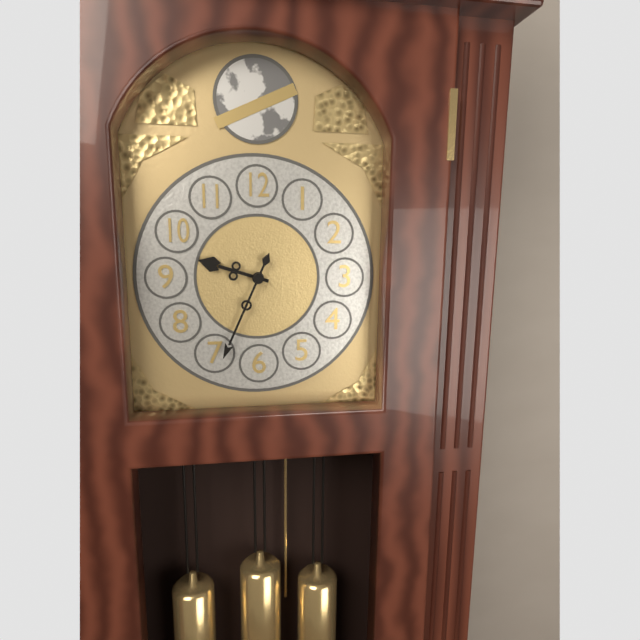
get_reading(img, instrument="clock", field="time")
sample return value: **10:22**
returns **9:34**
